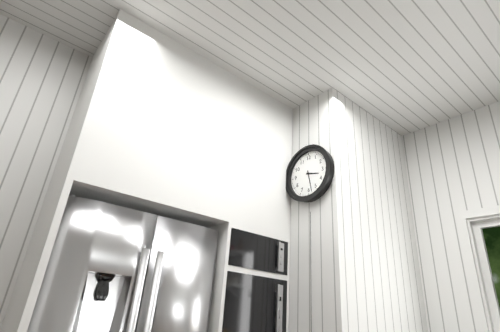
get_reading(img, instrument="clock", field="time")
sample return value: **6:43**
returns **3:28**
